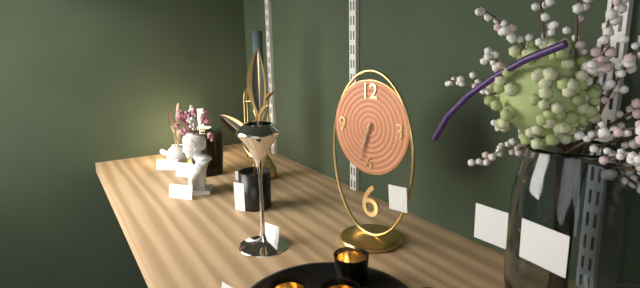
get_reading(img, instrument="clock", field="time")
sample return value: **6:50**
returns **6:33**
